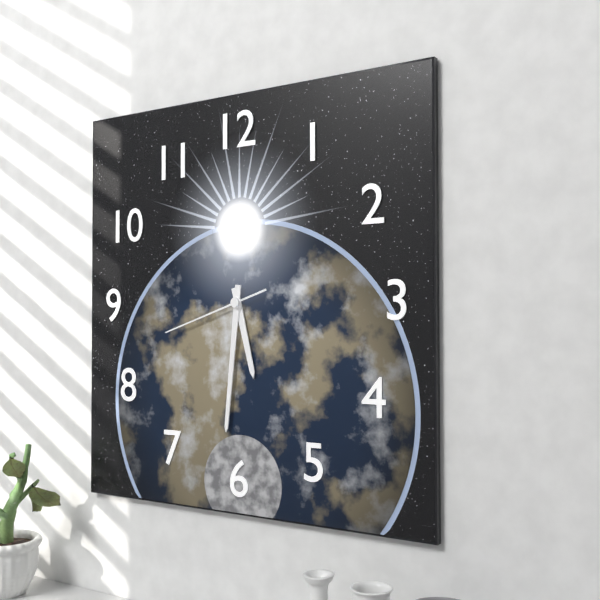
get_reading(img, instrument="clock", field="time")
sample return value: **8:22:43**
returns **5:31:42**
